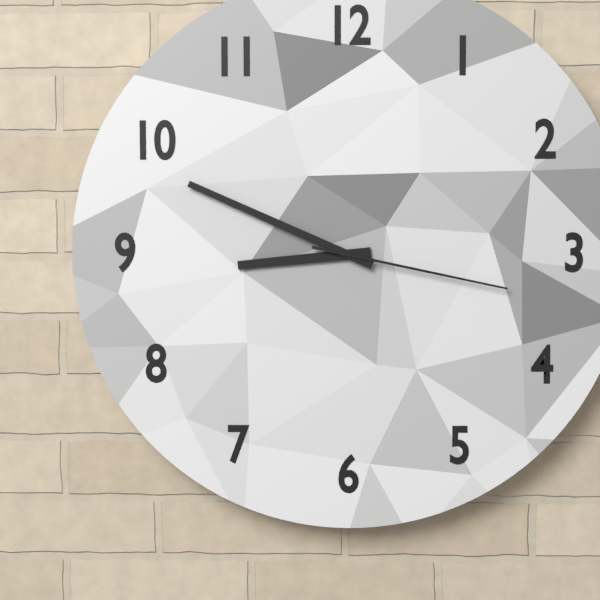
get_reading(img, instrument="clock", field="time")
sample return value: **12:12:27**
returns **8:49:17**
